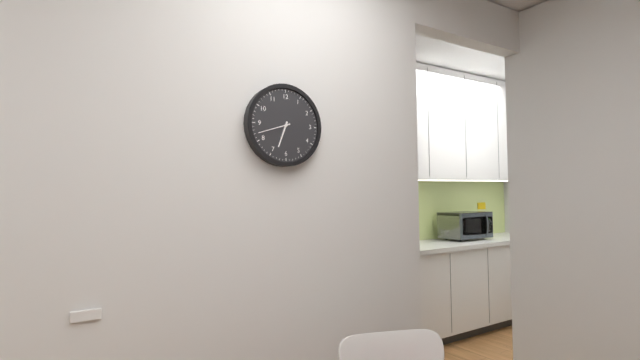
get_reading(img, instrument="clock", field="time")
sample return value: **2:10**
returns **6:42**
